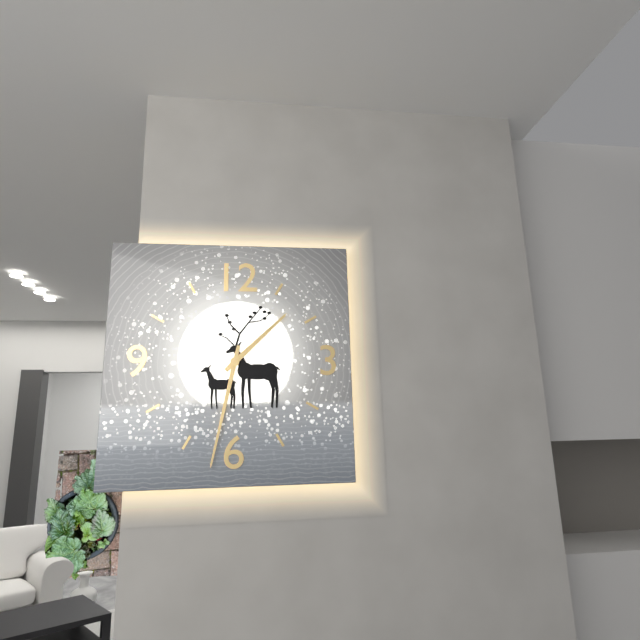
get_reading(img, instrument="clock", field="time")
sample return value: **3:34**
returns **1:32**
